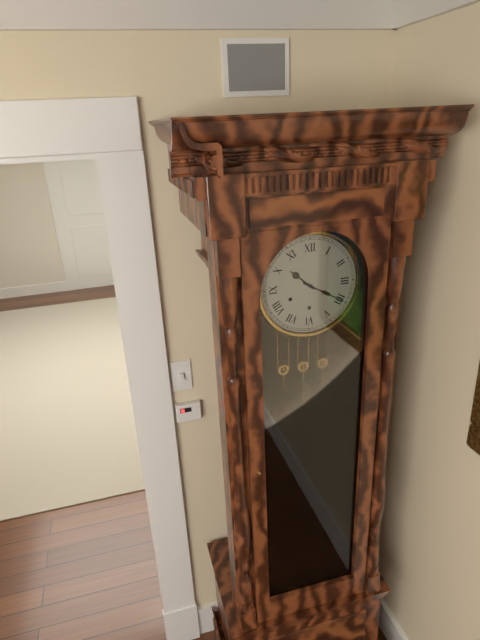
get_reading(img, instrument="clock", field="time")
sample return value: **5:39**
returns **10:20**
